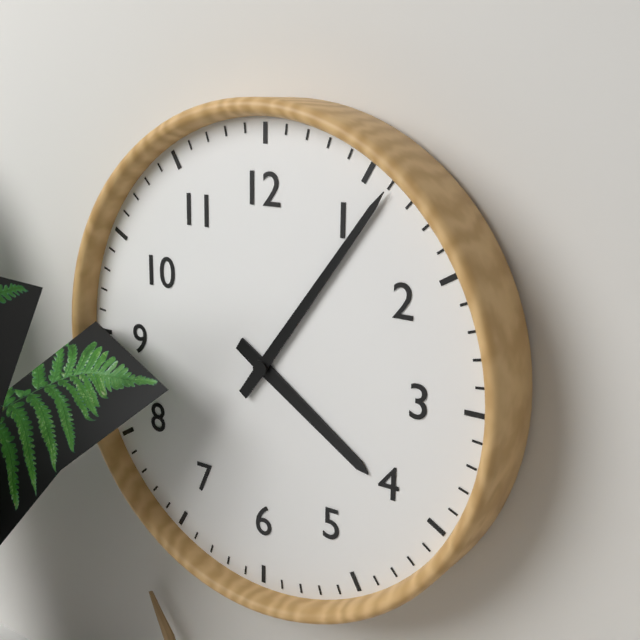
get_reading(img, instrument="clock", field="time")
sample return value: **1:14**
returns **4:06**
